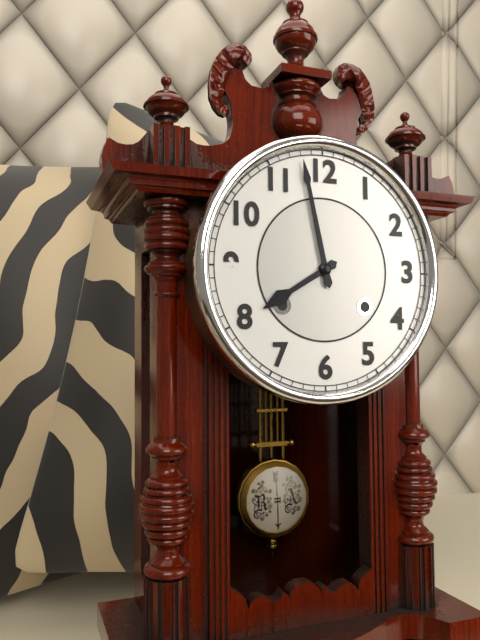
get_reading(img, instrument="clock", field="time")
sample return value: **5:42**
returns **7:58**
